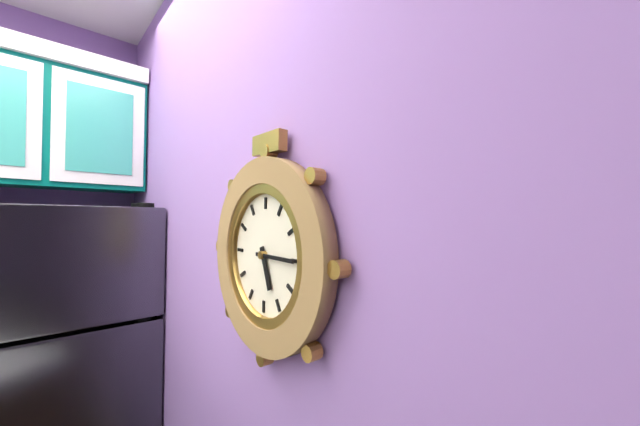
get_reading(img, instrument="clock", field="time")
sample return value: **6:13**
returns **5:15**
